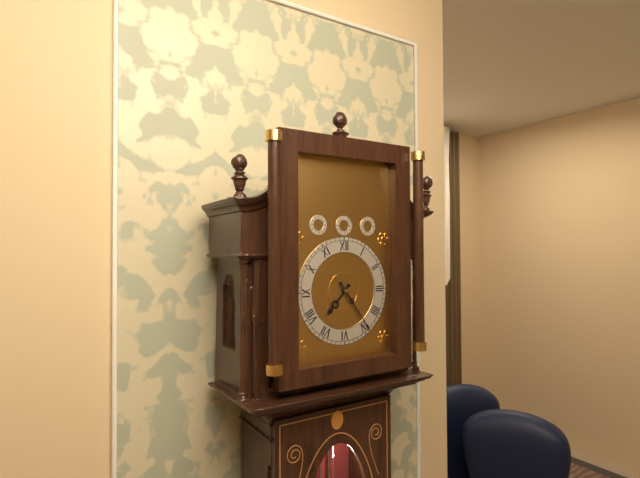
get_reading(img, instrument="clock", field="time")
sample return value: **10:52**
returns **7:24**
